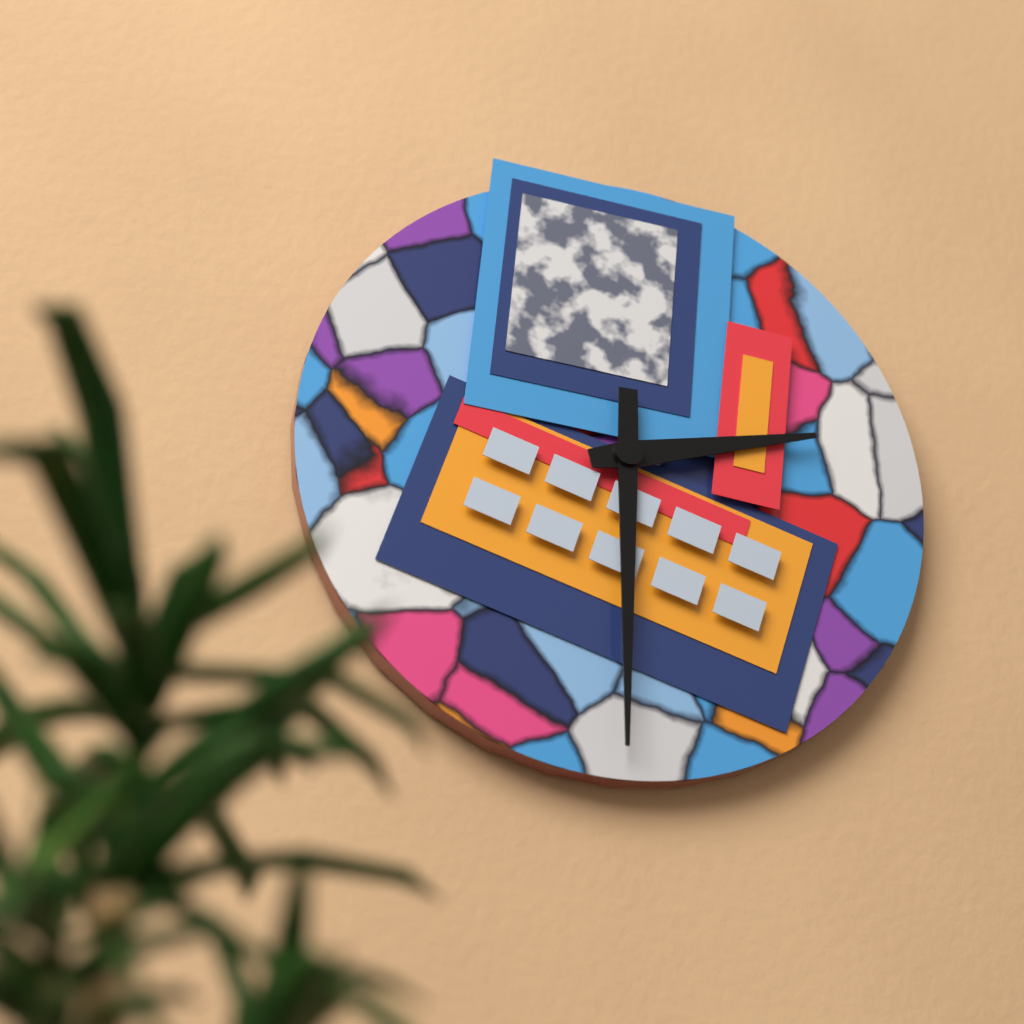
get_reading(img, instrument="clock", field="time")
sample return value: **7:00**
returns **2:30**
